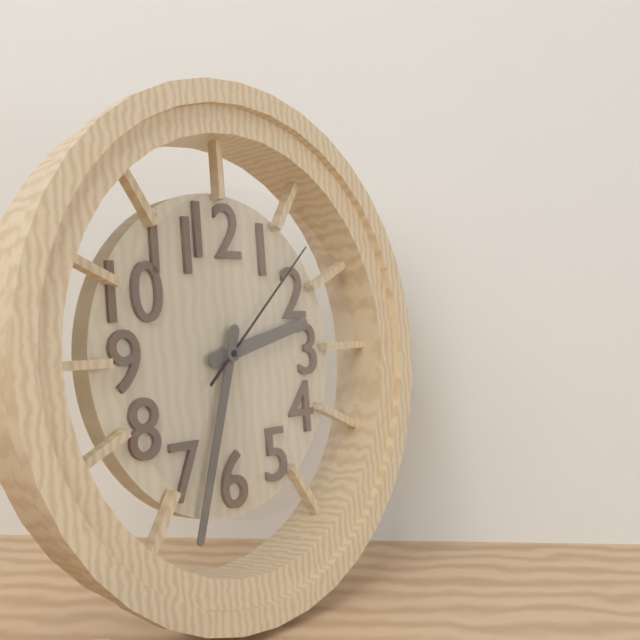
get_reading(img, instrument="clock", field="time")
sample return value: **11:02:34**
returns **2:33:08**
